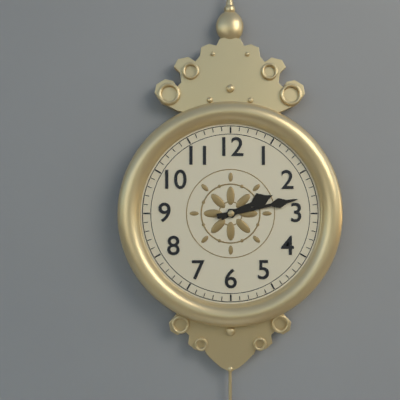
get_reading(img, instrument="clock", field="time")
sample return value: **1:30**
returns **2:13**
